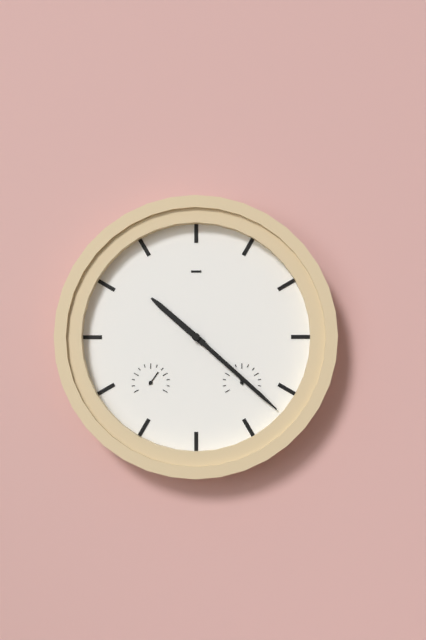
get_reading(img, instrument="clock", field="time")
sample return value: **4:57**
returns **10:22**
